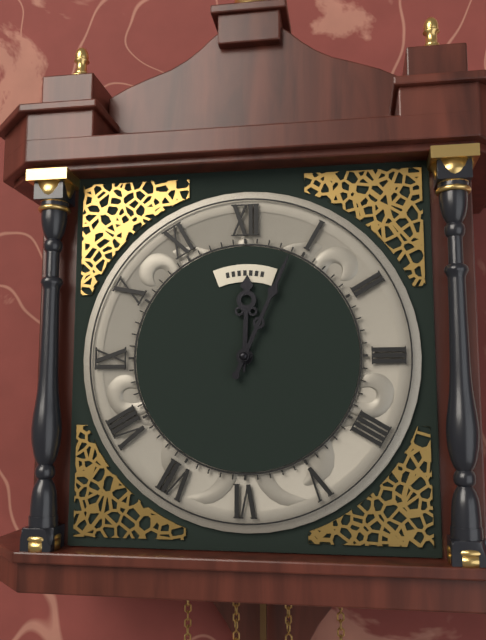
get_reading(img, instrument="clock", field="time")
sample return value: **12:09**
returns **12:04**
